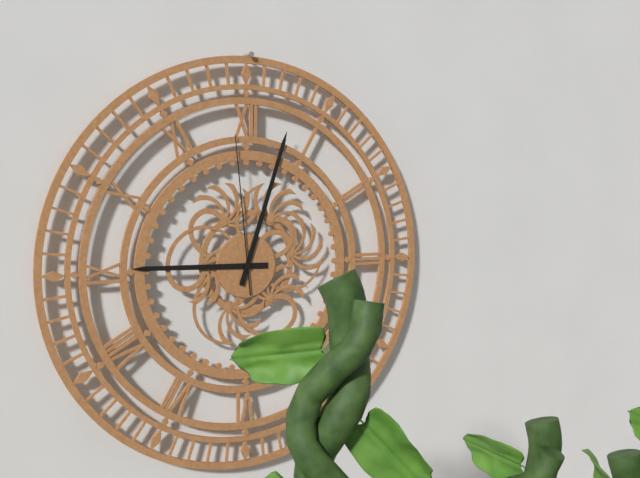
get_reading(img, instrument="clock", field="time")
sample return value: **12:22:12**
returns **9:03:59**
